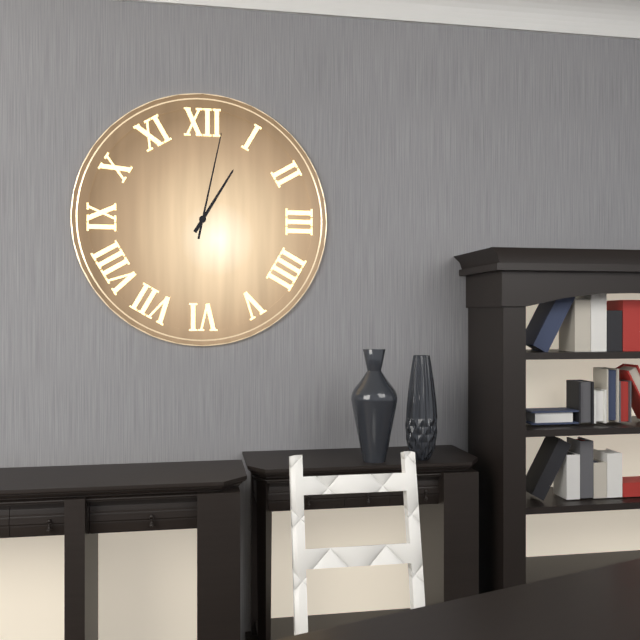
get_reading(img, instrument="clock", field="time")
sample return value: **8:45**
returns **1:02**
